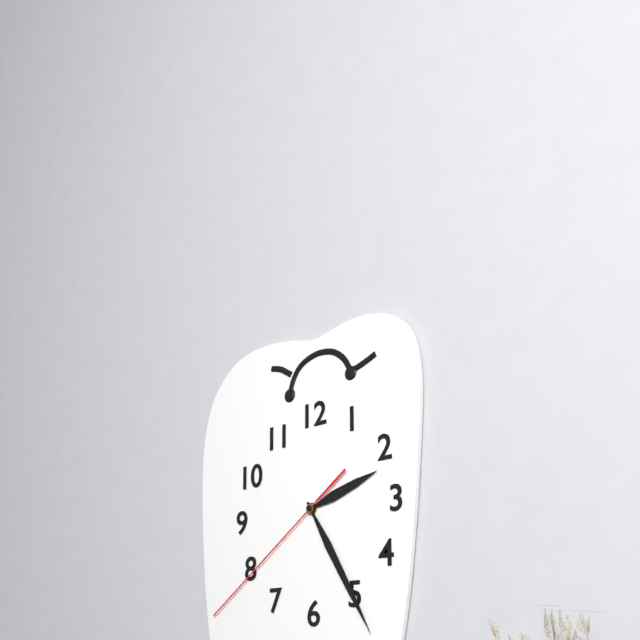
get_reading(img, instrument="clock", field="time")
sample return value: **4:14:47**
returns **2:25:39**
